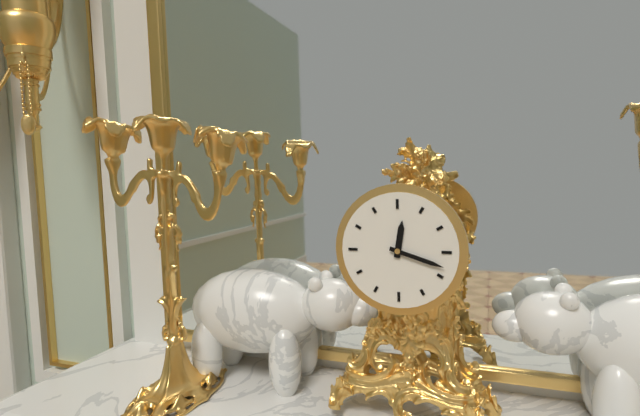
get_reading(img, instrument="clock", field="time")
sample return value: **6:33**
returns **12:18**
